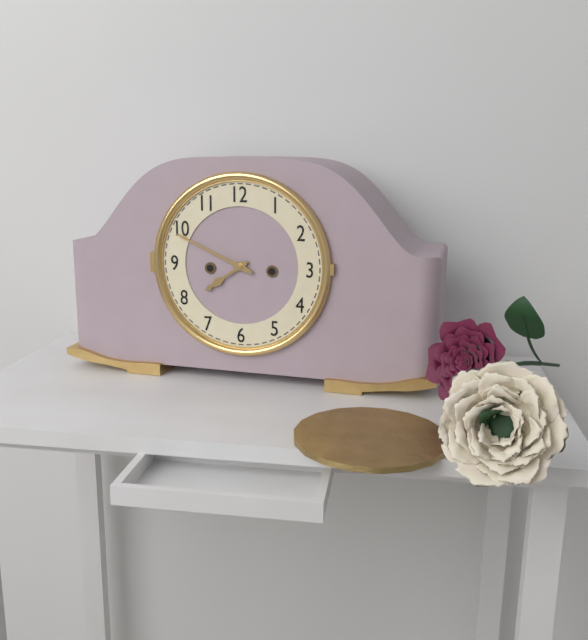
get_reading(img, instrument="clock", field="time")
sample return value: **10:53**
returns **7:49**
